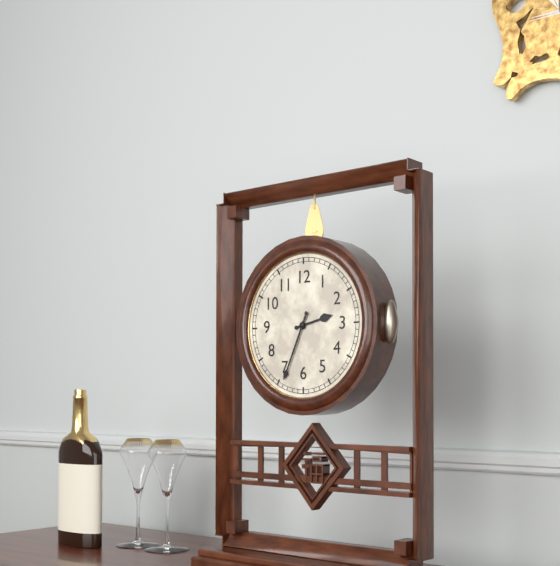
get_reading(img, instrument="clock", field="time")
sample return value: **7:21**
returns **2:34**
